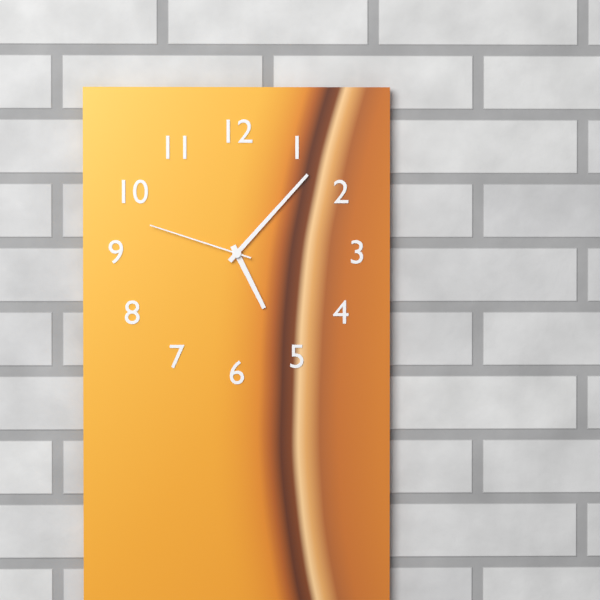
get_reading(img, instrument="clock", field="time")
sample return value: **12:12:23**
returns **5:07:48**
